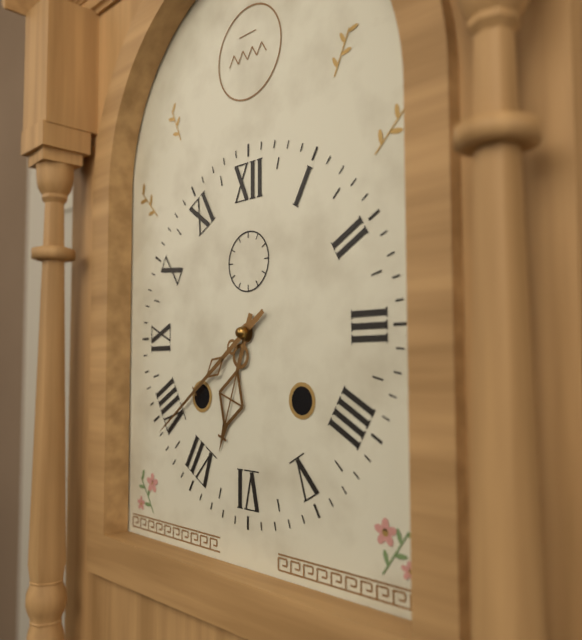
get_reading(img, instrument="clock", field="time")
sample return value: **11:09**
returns **6:39**
